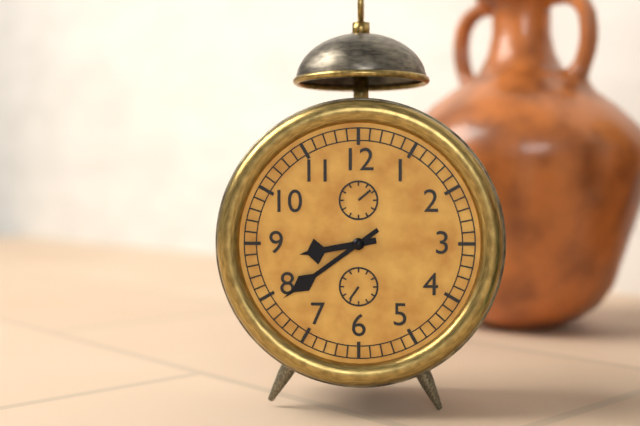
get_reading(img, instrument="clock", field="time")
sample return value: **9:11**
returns **8:39**
